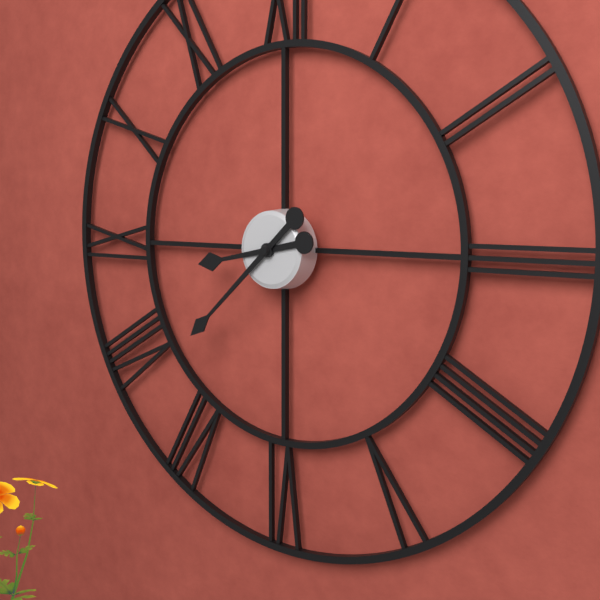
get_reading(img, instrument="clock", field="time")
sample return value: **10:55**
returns **8:38**
